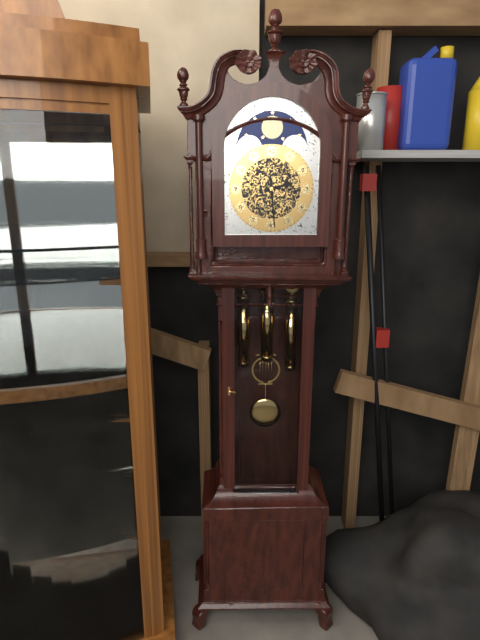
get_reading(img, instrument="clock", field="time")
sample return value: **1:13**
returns **2:29**
